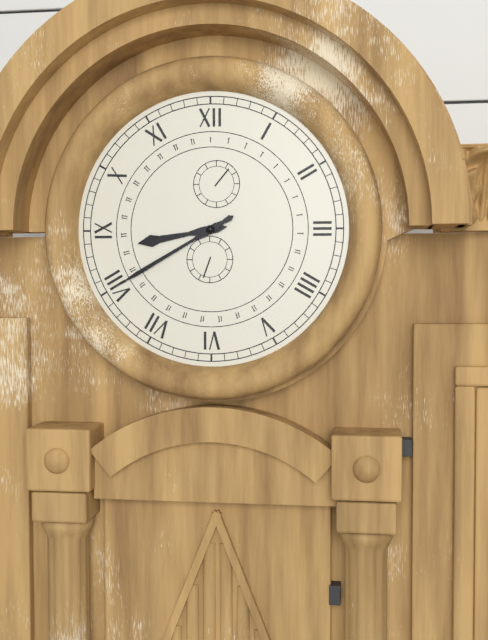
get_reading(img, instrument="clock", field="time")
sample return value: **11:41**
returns **8:40**
